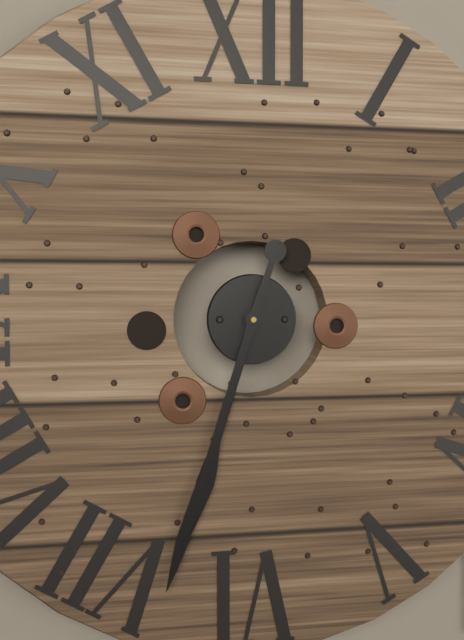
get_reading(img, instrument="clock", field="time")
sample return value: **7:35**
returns **6:33**
